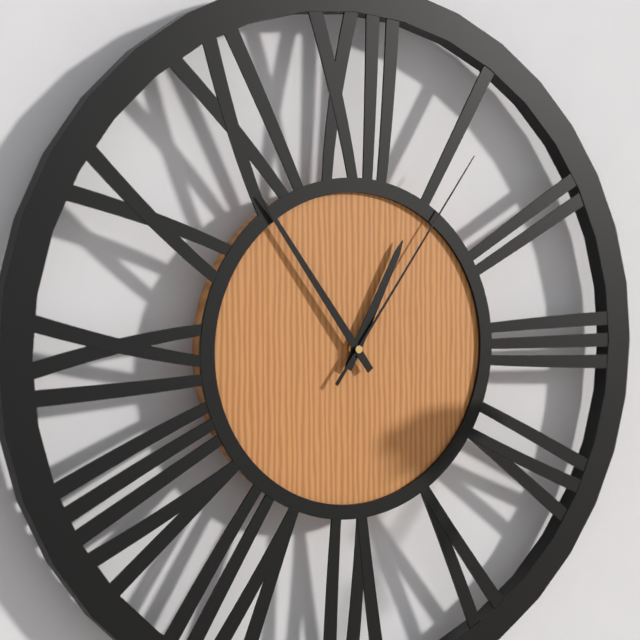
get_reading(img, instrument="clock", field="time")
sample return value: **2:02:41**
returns **12:54:06**
